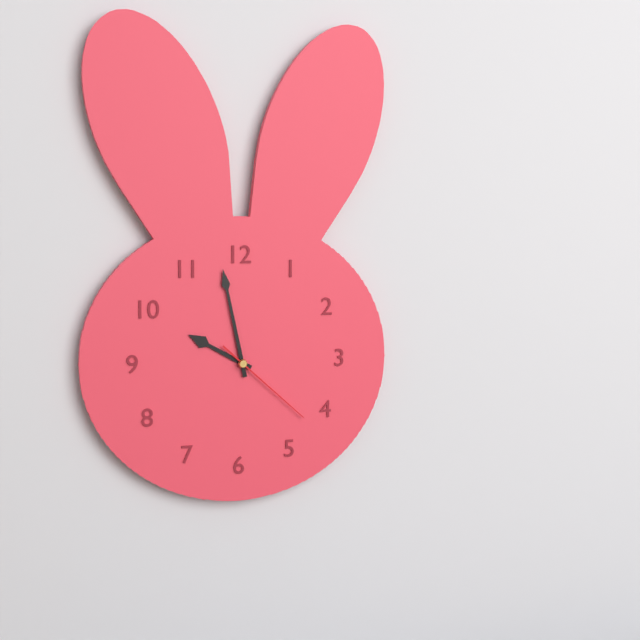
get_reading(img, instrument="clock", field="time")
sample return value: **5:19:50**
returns **9:58:22**
